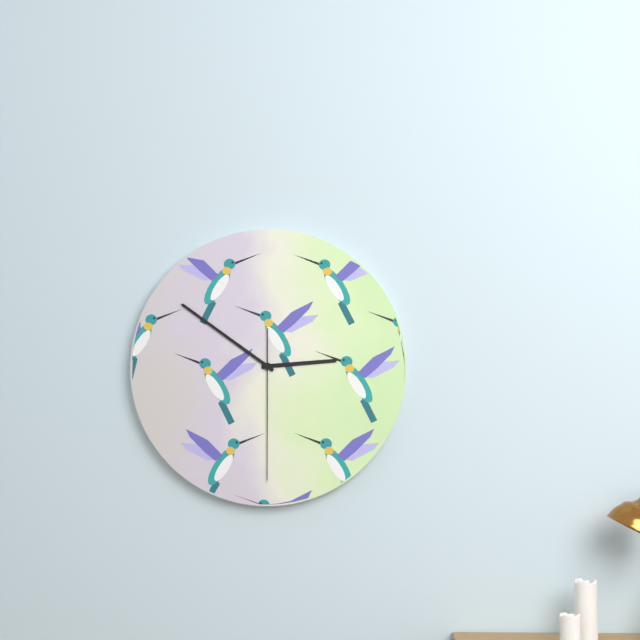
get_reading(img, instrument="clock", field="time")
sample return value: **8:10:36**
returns **2:51:30**
